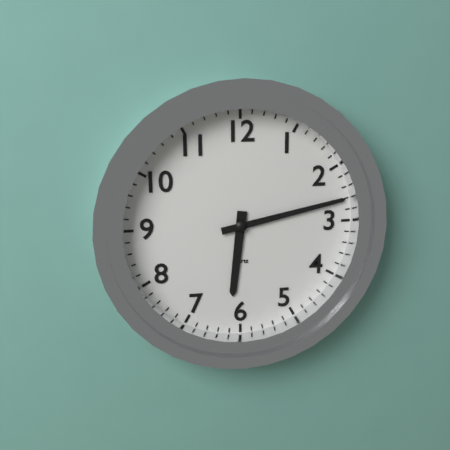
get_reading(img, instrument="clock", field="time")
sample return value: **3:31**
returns **6:13**
